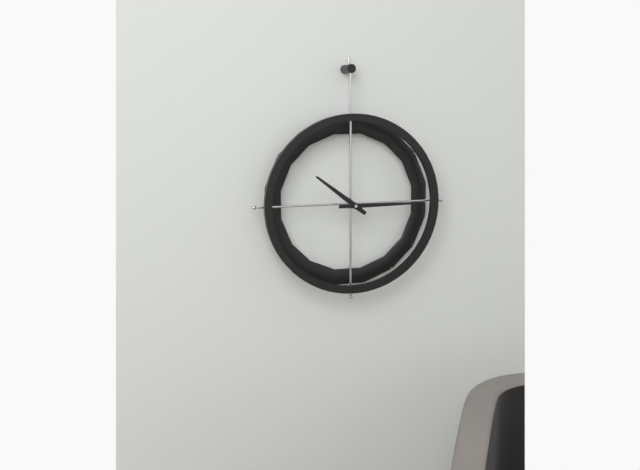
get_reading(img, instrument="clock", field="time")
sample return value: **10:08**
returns **10:15**
